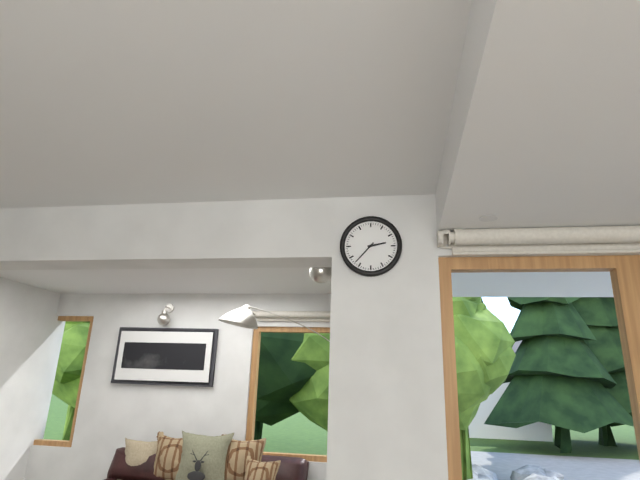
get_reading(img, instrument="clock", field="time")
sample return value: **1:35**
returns **2:37**
